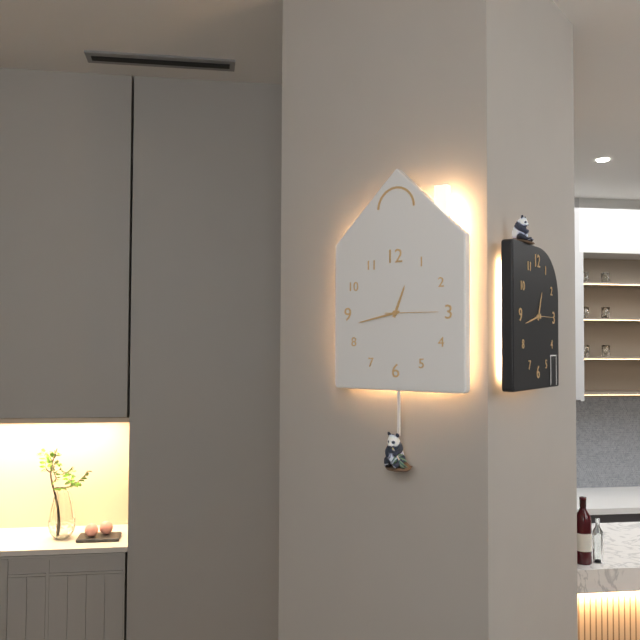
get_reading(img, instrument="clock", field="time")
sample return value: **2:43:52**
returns **12:43:15**
